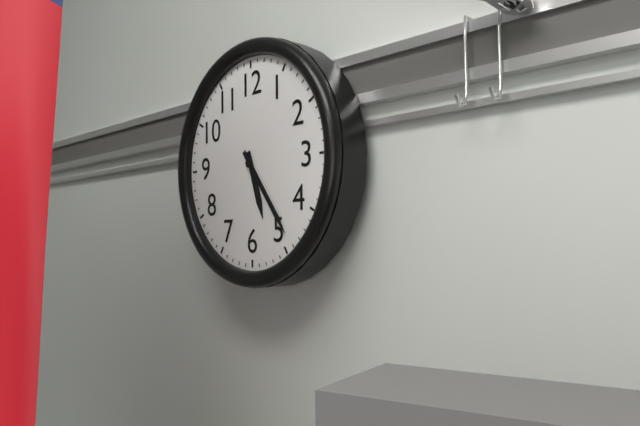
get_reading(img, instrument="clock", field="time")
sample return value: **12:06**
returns **5:24**
